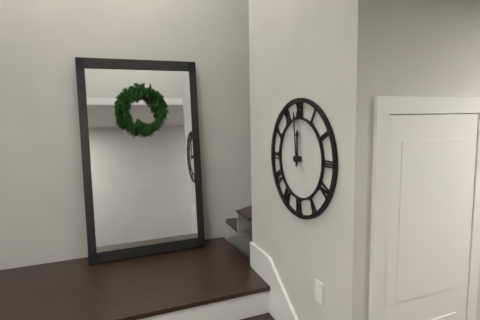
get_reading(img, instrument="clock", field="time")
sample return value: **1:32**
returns **11:59**
